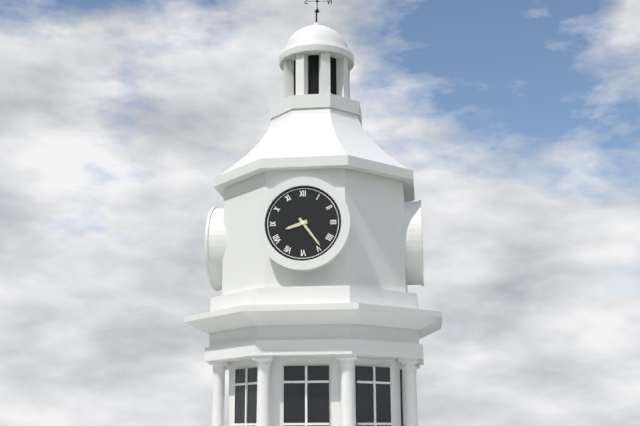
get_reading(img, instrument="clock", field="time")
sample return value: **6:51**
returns **8:24**
